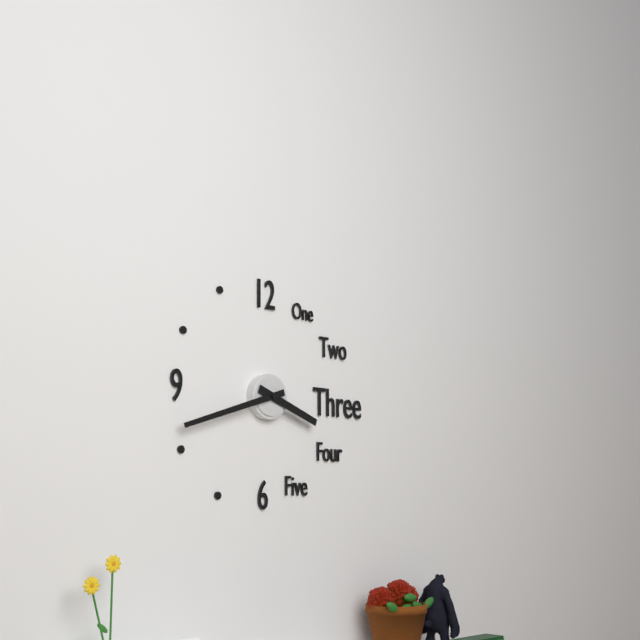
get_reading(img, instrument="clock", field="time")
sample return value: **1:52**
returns **3:42**
